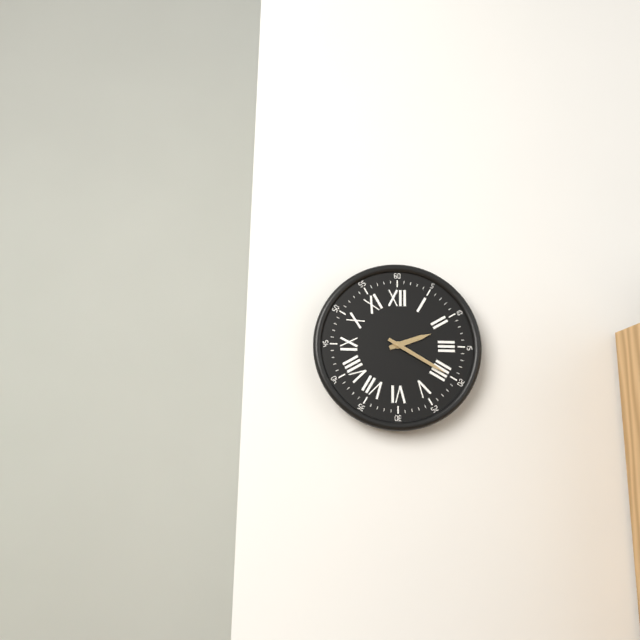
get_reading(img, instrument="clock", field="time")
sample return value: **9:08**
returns **2:20**
